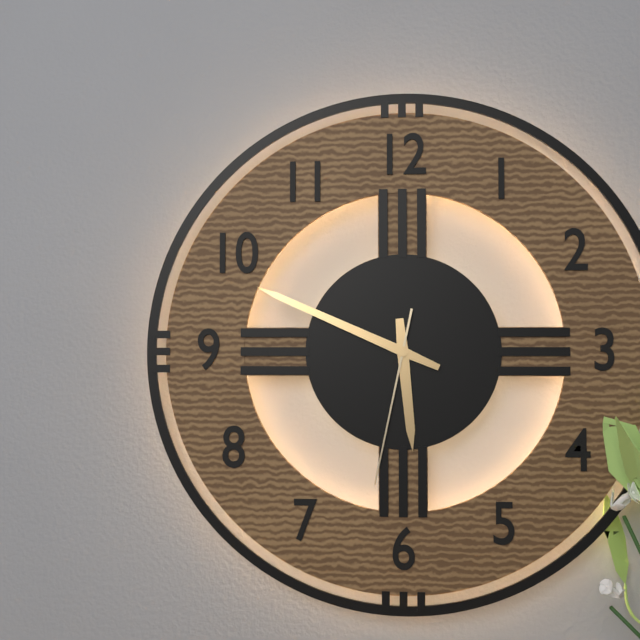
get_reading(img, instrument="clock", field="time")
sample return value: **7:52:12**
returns **5:49:32**
